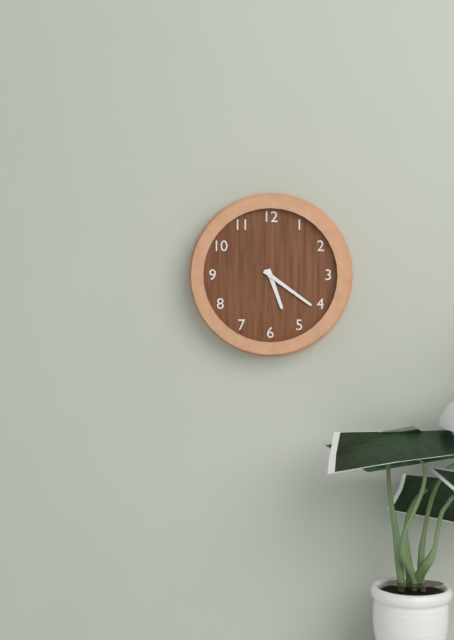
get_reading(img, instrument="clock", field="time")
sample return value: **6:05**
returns **5:21**
